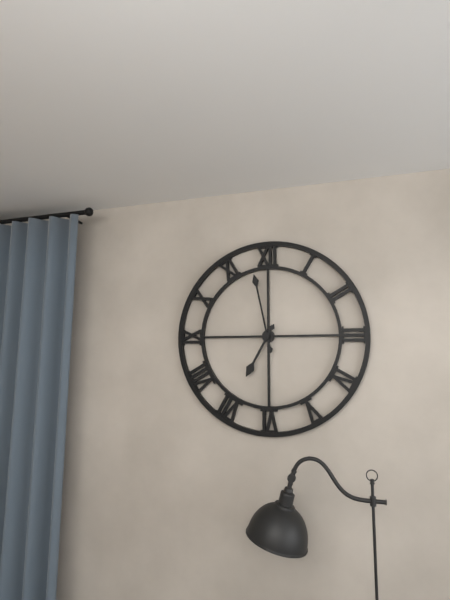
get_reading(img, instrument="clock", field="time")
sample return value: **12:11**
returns **6:58**
